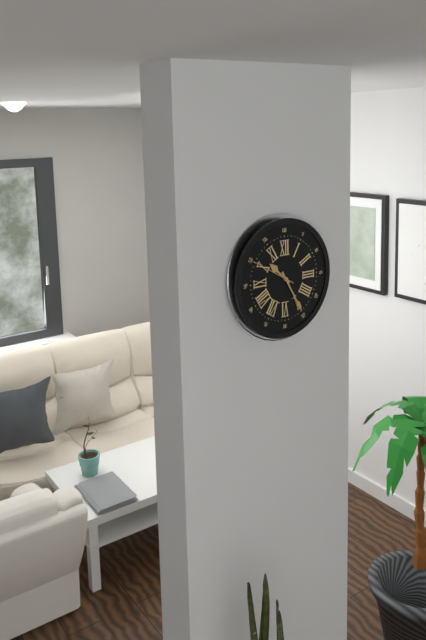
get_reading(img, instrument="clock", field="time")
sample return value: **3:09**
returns **10:25**
